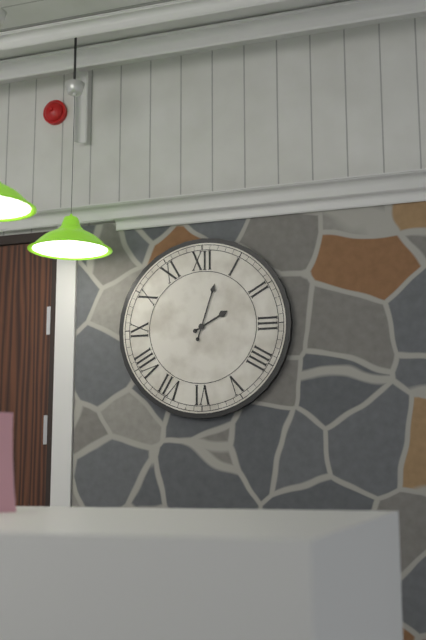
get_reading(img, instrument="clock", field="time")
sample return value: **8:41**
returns **2:03**
